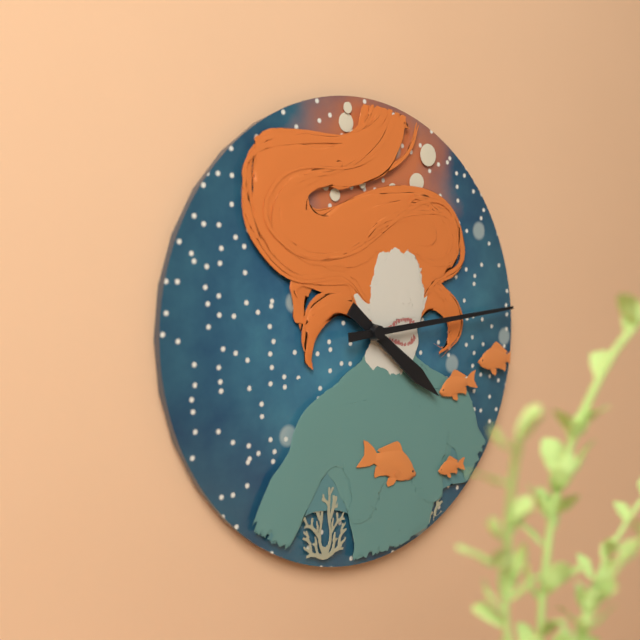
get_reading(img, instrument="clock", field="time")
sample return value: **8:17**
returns **4:14**
